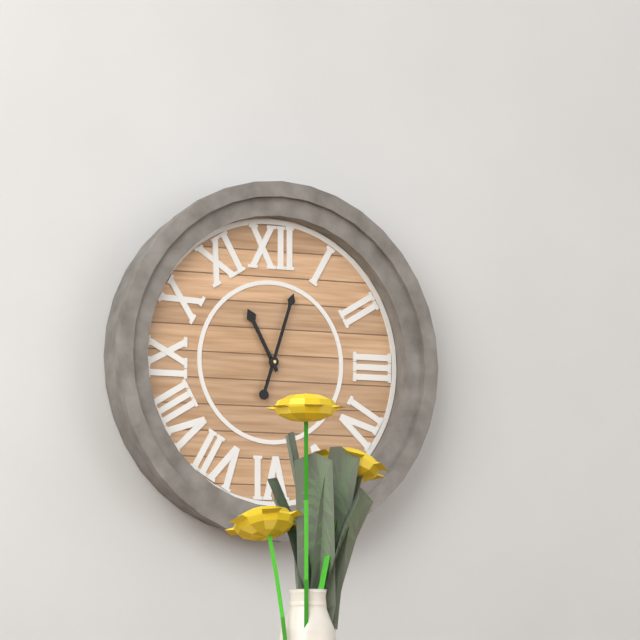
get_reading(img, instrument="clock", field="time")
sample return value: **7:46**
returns **11:03**
